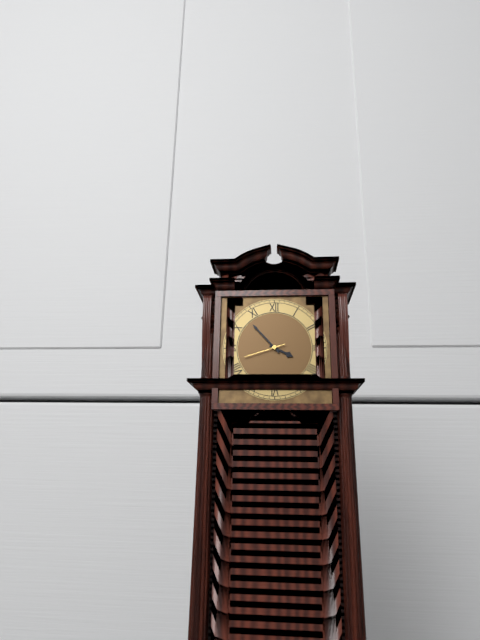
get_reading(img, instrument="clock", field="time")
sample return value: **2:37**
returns **3:53**
